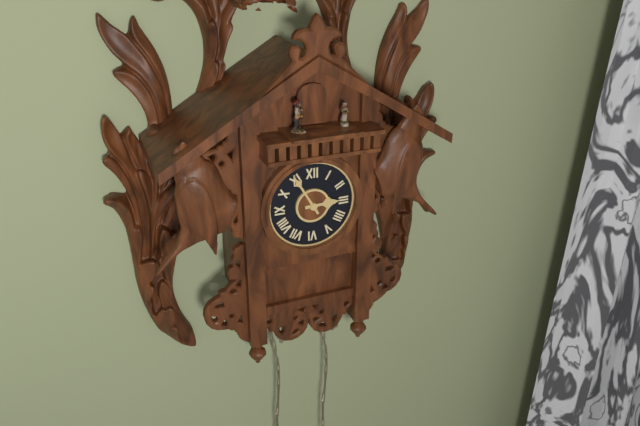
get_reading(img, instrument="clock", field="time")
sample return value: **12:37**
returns **2:55**
